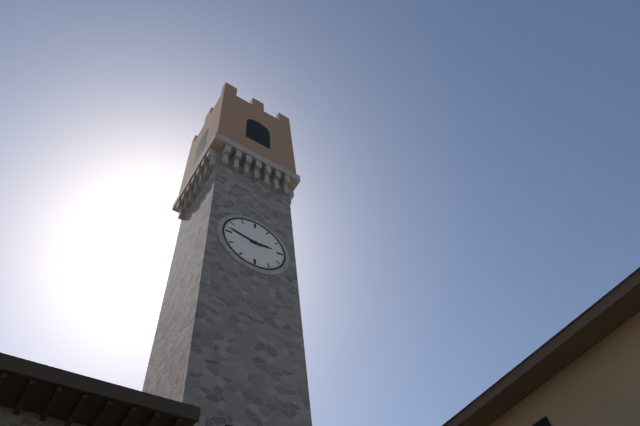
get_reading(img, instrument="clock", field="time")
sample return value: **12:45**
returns **2:47**
